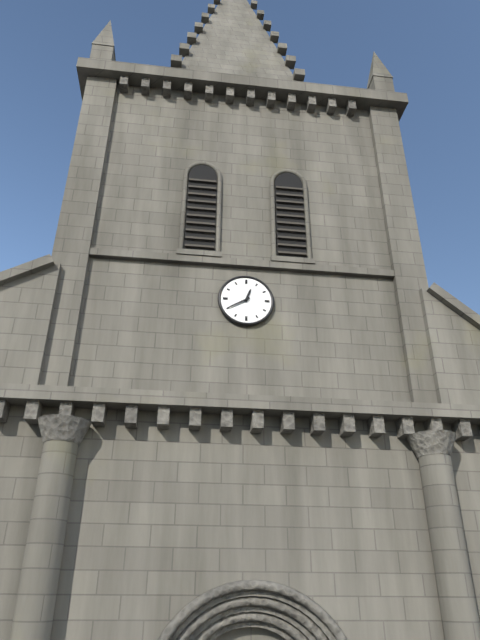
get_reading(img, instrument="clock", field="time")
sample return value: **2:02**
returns **12:40**
